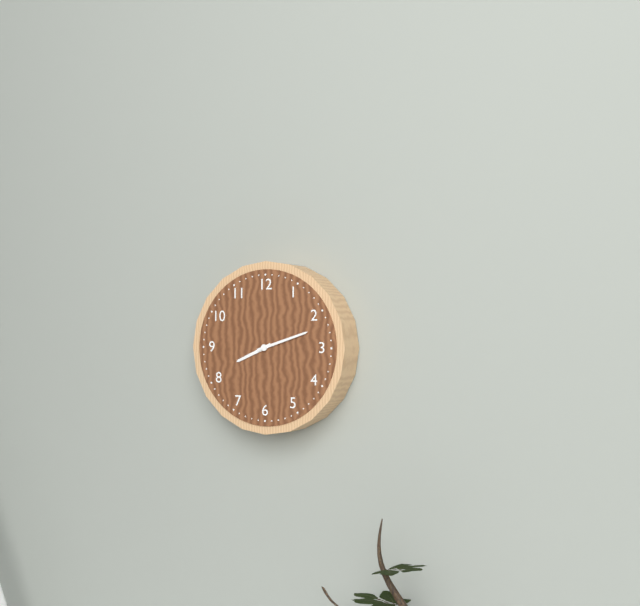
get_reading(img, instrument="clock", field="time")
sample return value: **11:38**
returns **8:12**
